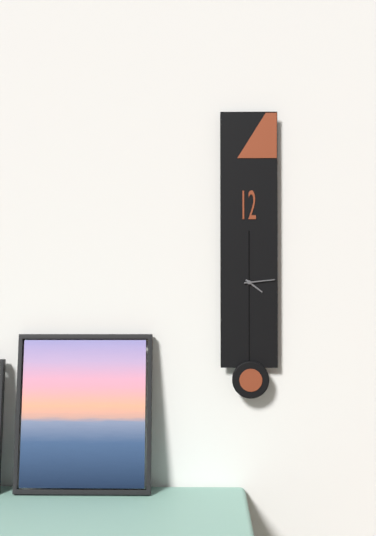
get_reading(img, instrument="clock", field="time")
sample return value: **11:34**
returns **4:14**
